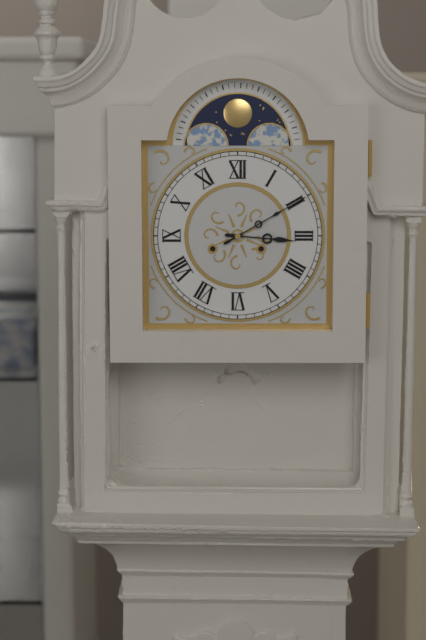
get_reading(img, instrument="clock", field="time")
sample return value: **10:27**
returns **3:10**
